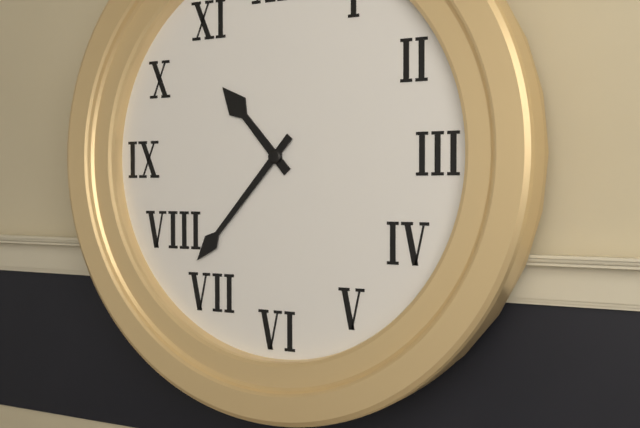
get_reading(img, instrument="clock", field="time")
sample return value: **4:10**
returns **10:37**
